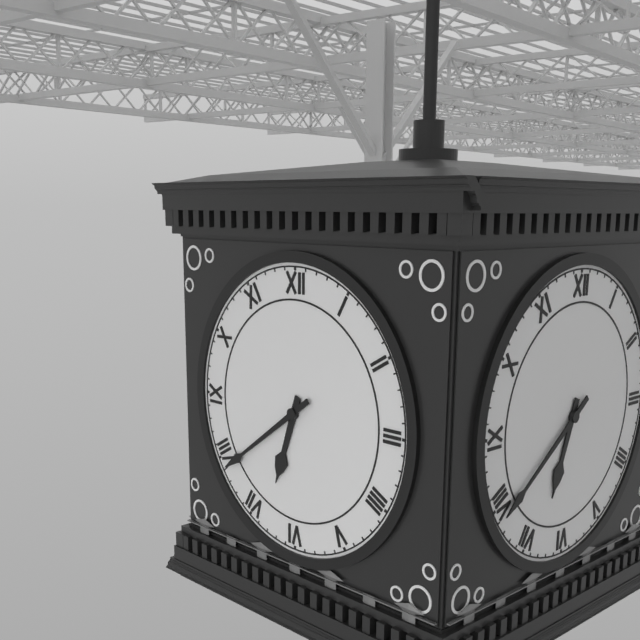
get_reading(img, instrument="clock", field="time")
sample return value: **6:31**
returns **6:39**
